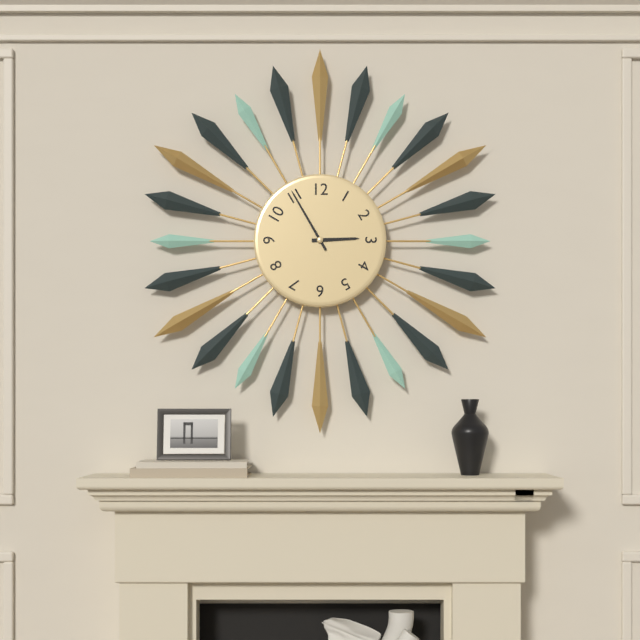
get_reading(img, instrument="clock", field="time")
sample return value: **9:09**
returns **2:55**
